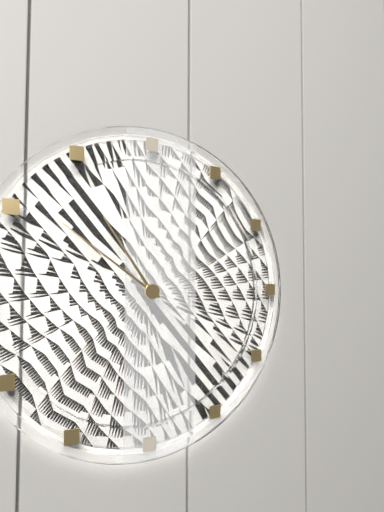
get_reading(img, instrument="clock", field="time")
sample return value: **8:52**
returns **10:51**
